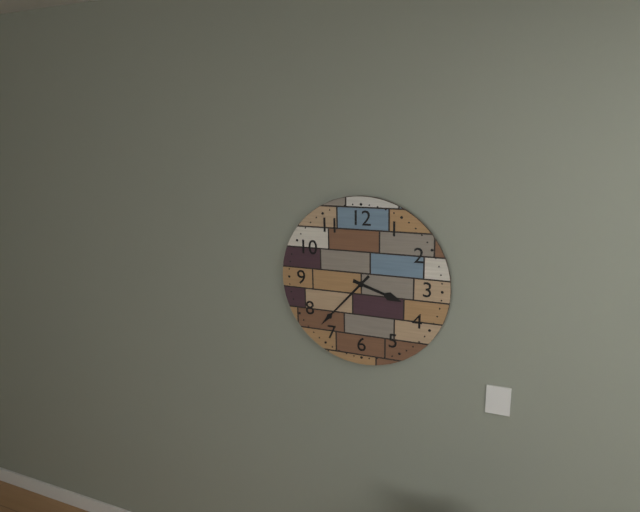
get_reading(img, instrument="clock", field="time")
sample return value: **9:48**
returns **3:37**
